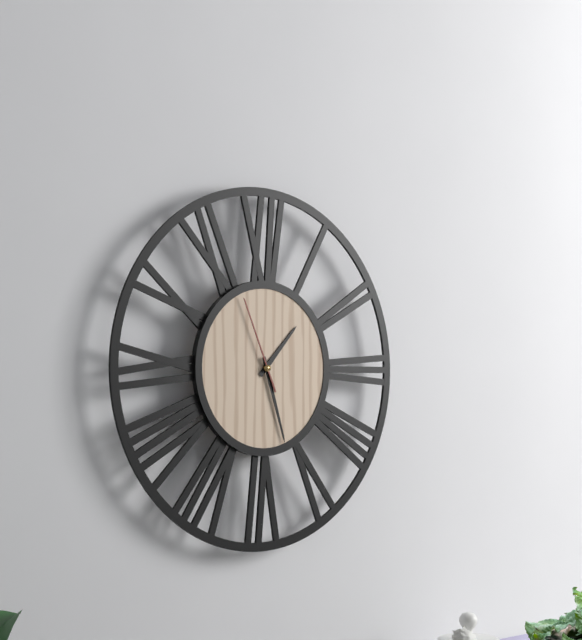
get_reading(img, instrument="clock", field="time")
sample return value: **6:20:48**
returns **1:27:56**
